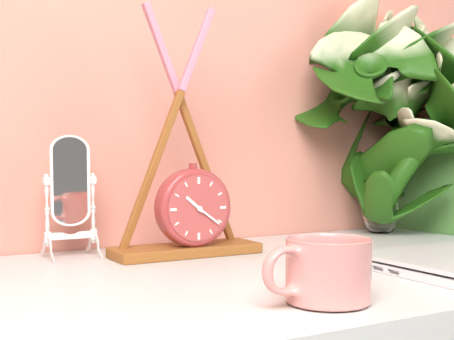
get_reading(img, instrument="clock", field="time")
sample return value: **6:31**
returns **10:21**
